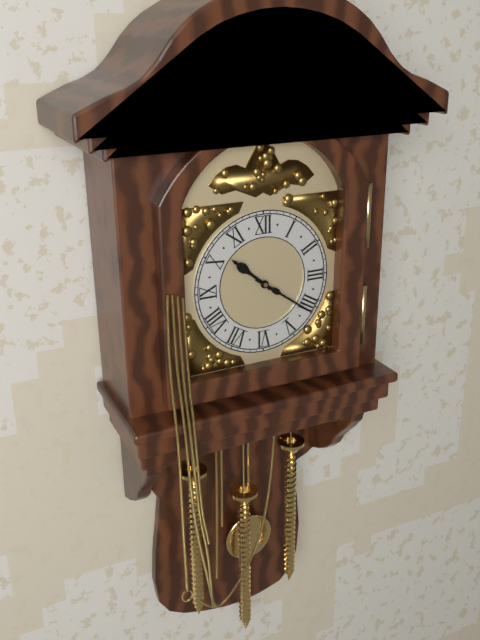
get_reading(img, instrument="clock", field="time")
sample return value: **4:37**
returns **10:21**
